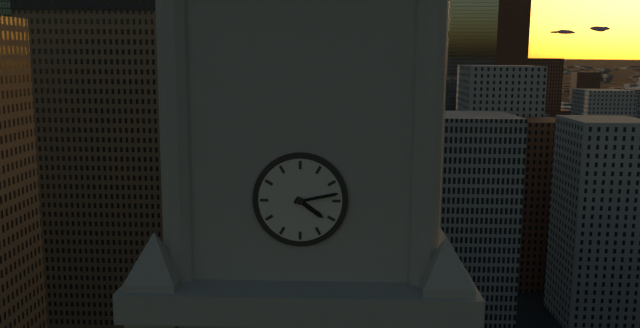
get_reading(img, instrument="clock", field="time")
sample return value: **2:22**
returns **4:13**
